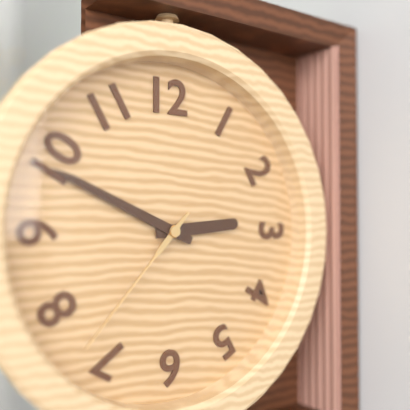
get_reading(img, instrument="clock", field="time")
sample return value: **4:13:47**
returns **2:49:37**
